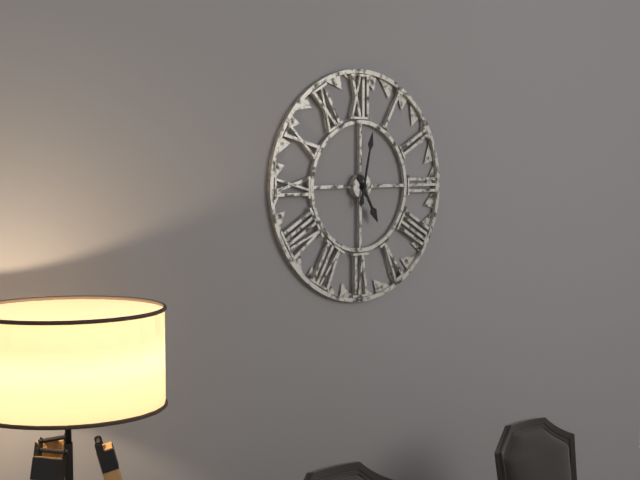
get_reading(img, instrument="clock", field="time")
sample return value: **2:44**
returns **5:02**
